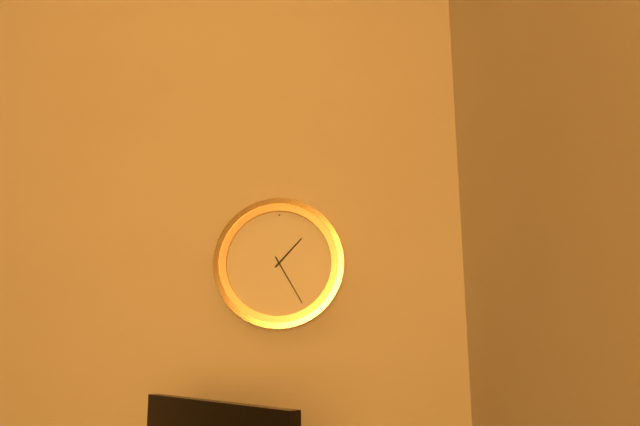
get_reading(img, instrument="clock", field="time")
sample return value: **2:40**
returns **1:25**
